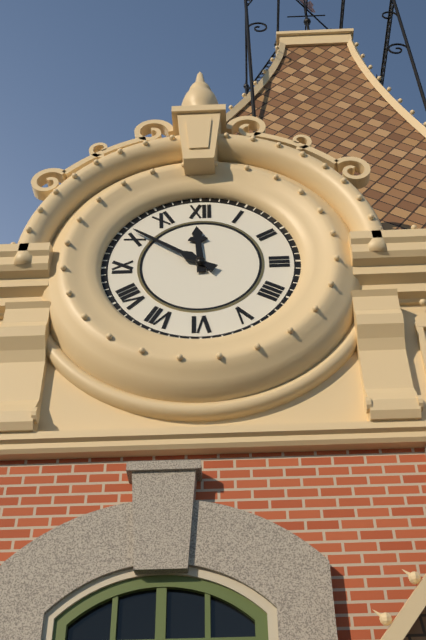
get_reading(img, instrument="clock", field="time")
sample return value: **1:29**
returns **11:51**
